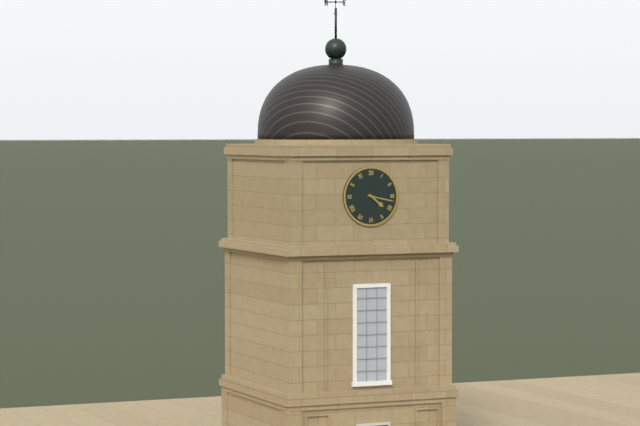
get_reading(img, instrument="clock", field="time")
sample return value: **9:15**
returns **4:17**
